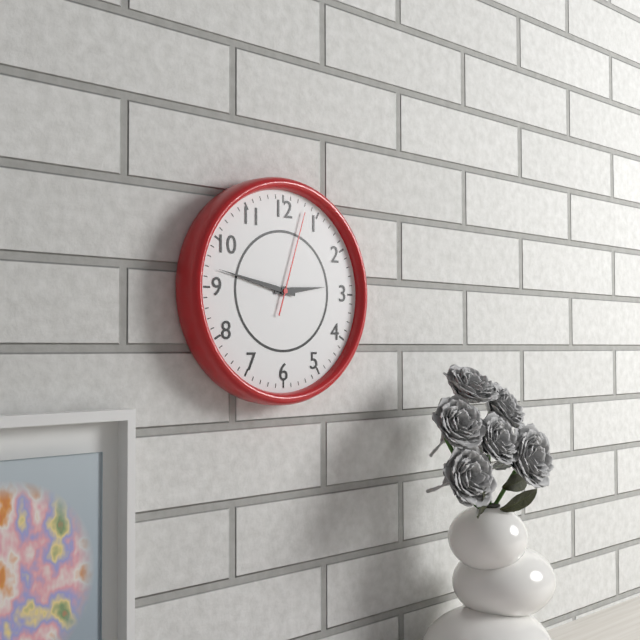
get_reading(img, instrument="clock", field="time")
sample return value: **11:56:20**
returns **2:47:03**
